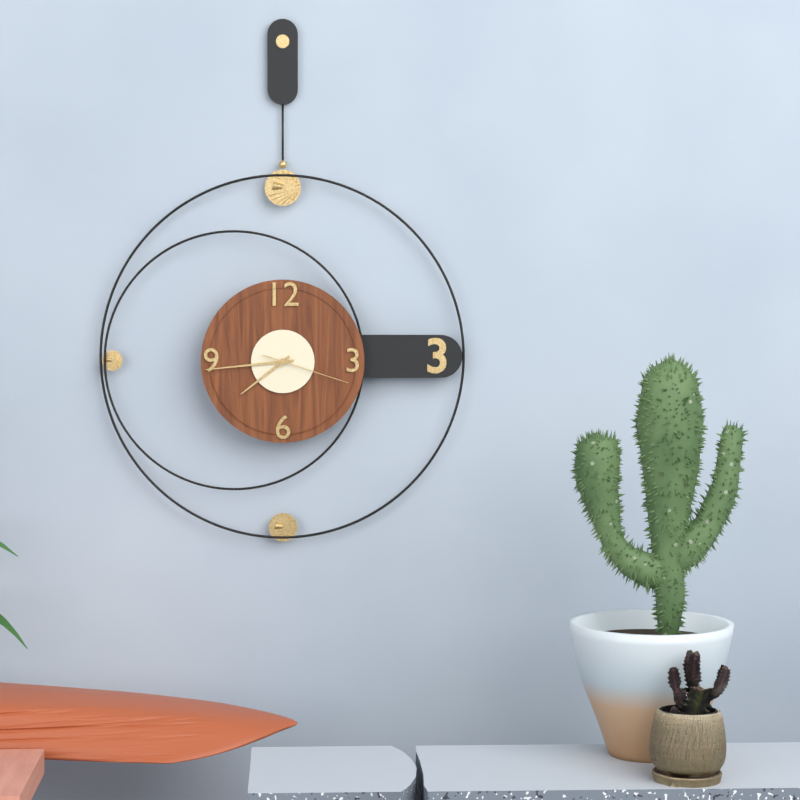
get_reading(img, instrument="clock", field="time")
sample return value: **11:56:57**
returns **7:44:18**
